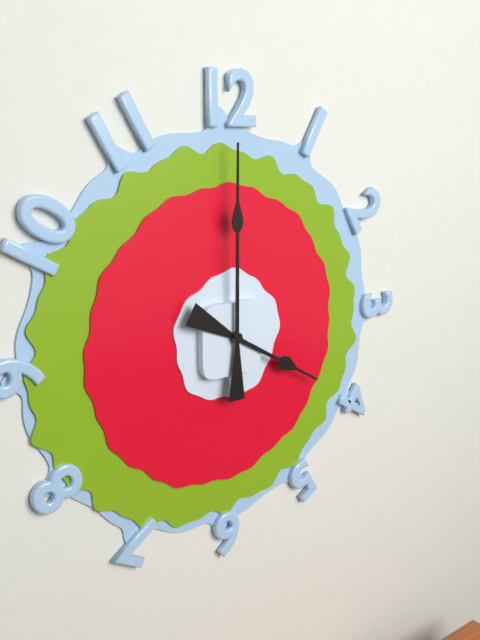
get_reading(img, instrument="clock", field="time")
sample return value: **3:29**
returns **4:00**
